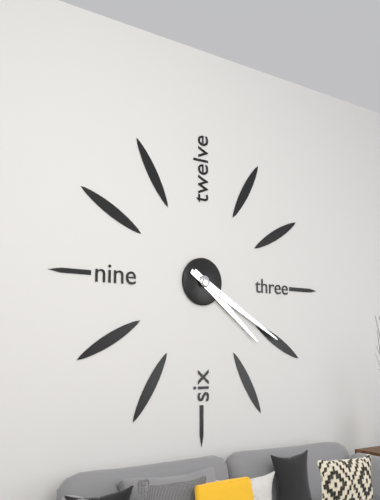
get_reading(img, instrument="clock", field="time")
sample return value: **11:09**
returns **4:20**
